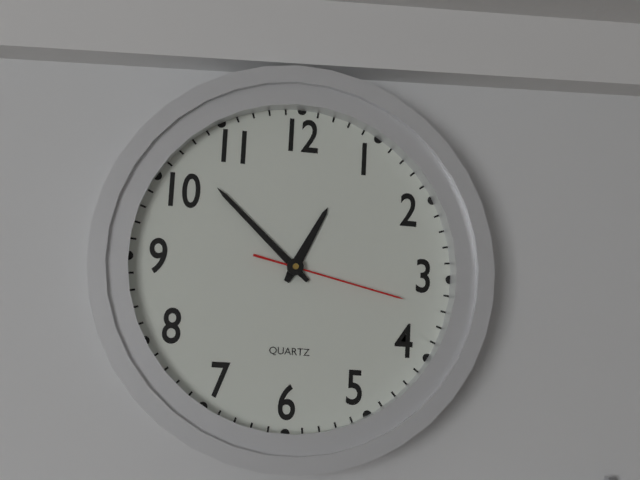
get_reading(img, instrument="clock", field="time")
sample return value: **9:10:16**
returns **12:52:17**
